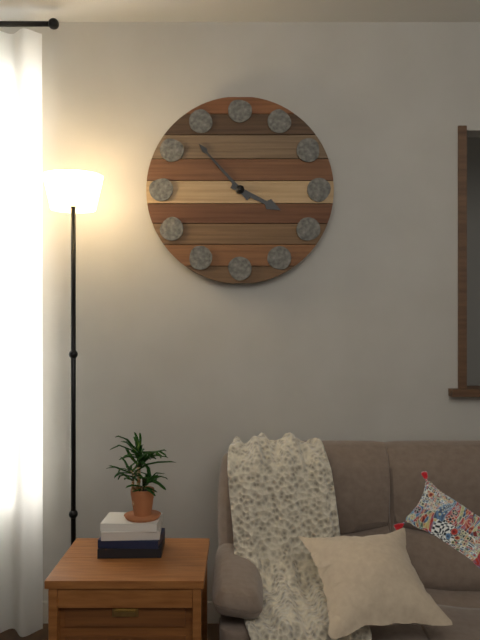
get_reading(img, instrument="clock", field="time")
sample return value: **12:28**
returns **3:53**
